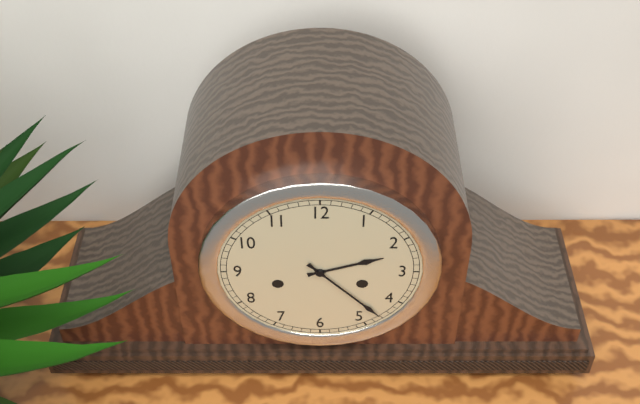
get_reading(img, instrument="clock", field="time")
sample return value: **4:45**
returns **2:23**
